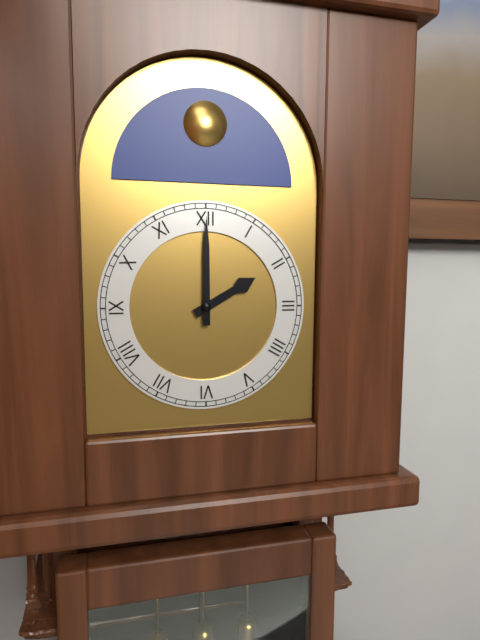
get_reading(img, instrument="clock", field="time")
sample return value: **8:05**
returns **2:00**
